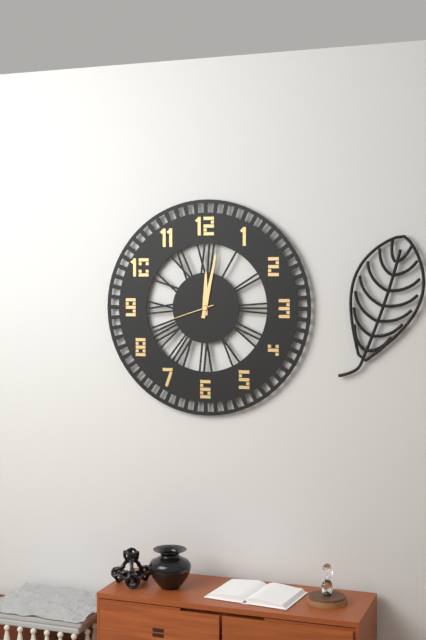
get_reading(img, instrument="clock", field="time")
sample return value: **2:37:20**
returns **12:02:42**
